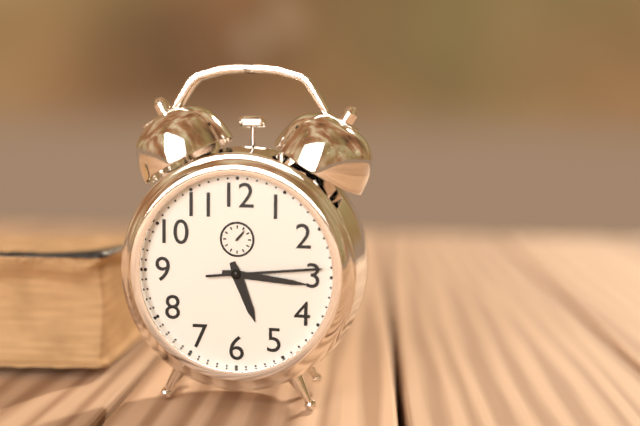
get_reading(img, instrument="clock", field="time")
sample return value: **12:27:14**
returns **5:16:14**
